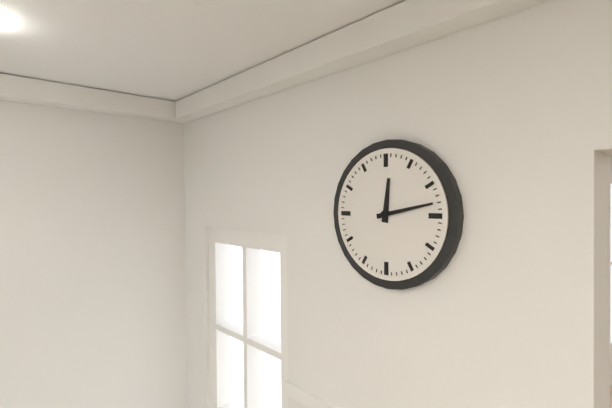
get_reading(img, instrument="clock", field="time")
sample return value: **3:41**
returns **12:13**
